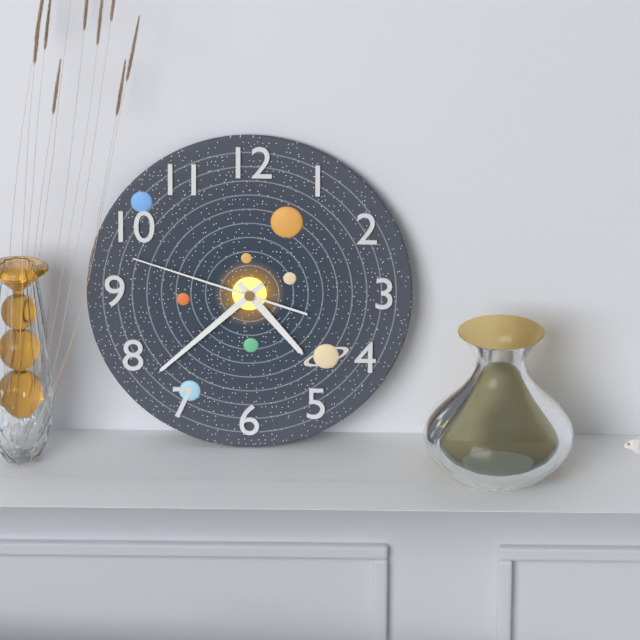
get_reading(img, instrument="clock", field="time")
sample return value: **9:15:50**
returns **4:38:48**
